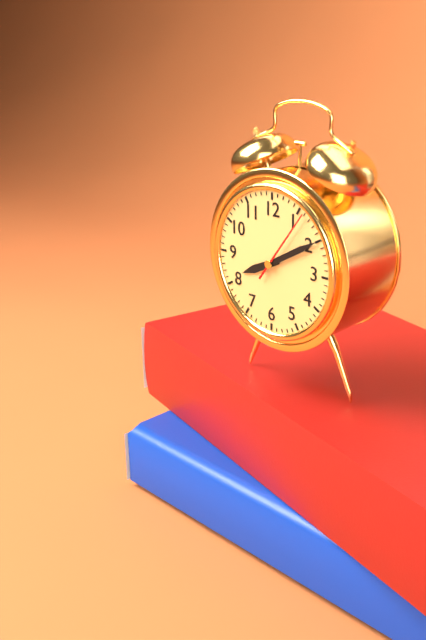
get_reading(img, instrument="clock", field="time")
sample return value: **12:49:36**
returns **8:10:06**
